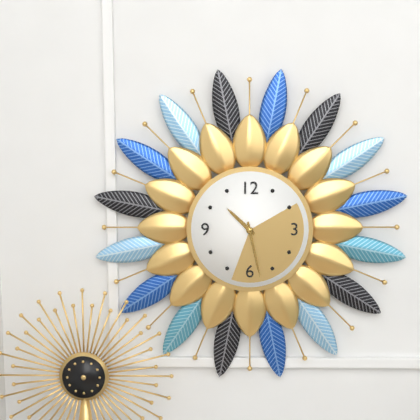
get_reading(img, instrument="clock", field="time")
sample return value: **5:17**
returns **10:28**
